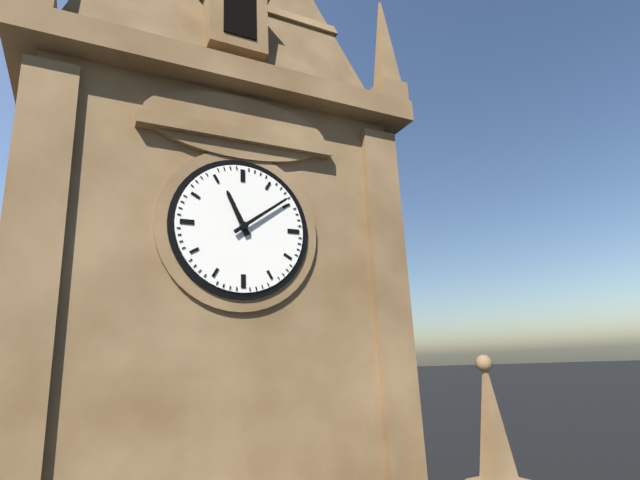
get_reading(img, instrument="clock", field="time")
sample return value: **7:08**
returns **11:09**
